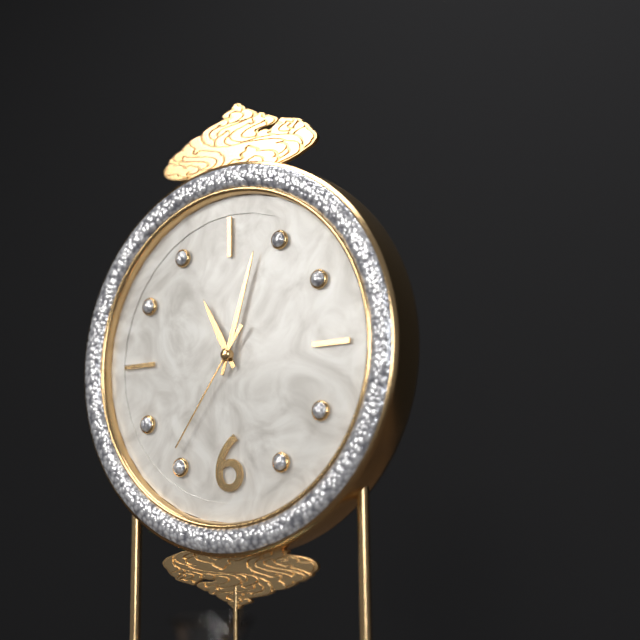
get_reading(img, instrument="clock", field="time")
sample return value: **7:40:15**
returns **11:03:36**
